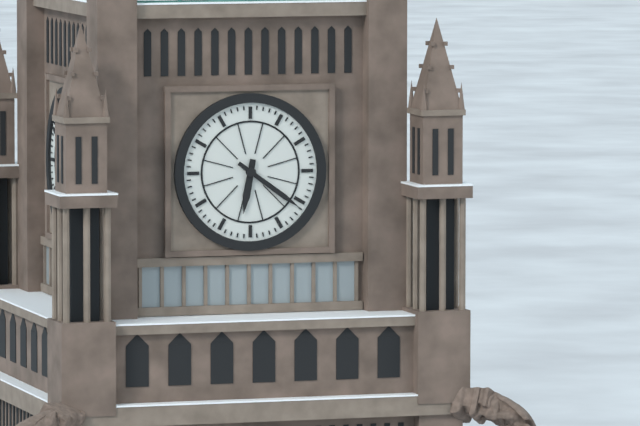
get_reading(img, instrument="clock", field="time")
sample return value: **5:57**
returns **6:21**
